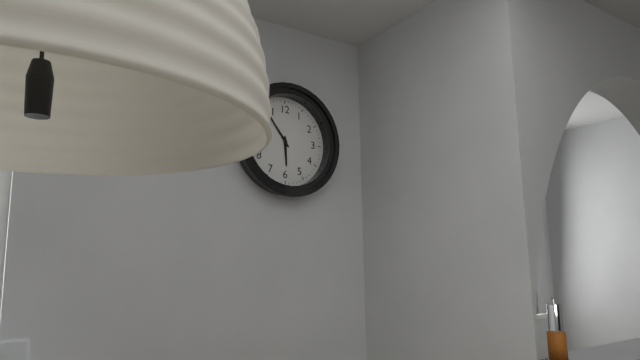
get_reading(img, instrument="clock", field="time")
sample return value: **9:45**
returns **5:54**
